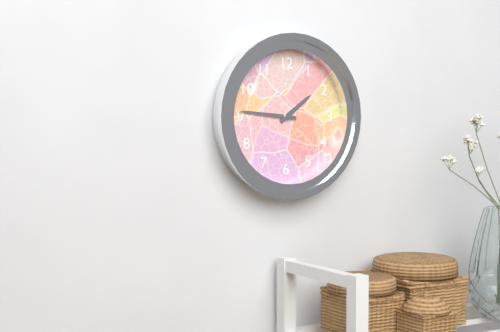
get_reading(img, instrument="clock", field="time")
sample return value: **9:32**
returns **1:46**
